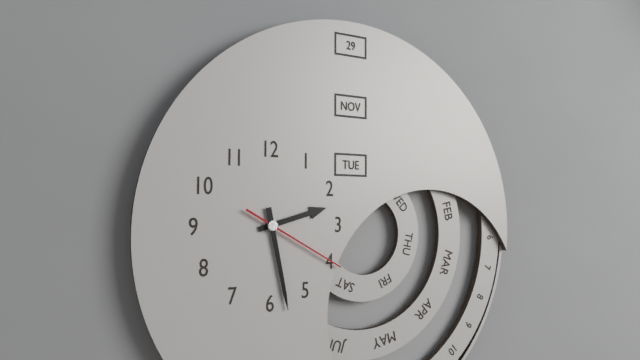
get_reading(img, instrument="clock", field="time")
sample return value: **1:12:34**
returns **2:28:20**
